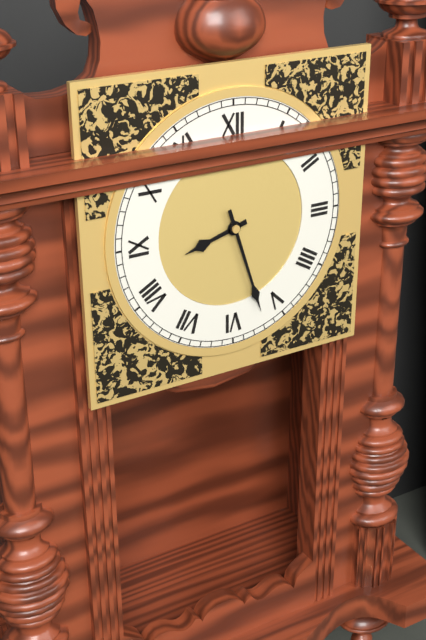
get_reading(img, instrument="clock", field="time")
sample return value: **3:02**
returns **8:27**
